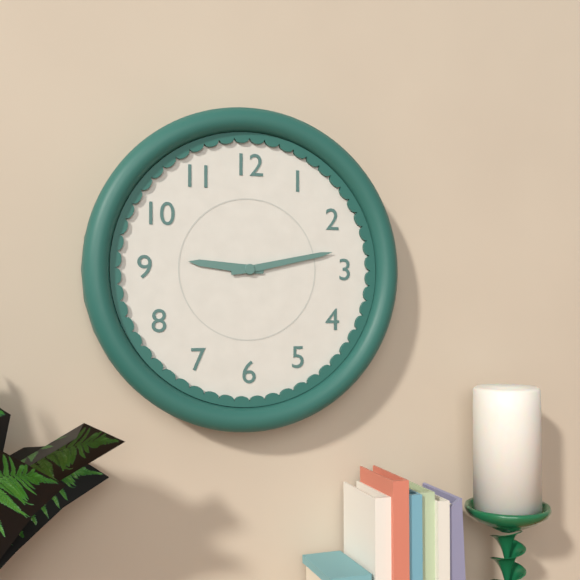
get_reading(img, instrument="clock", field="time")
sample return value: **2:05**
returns **9:13**
